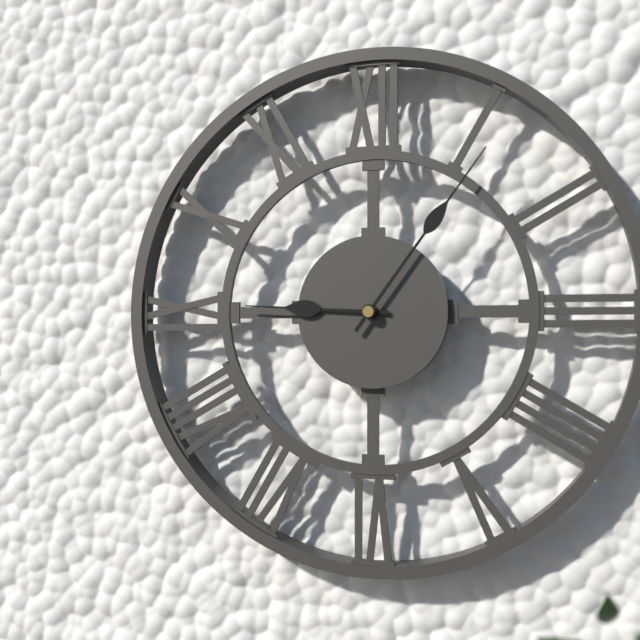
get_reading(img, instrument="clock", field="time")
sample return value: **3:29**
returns **9:06**
